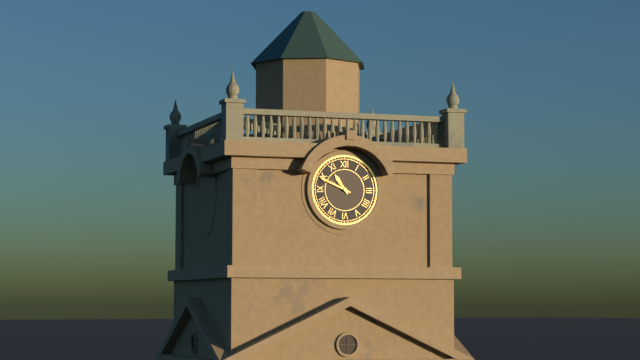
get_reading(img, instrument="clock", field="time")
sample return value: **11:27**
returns **10:49**
